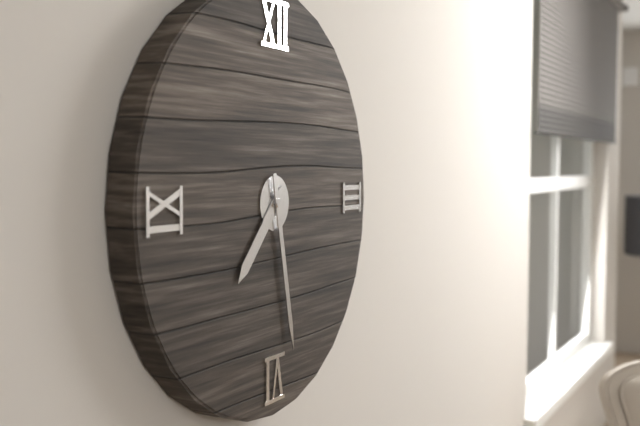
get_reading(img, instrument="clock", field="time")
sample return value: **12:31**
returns **7:28**
